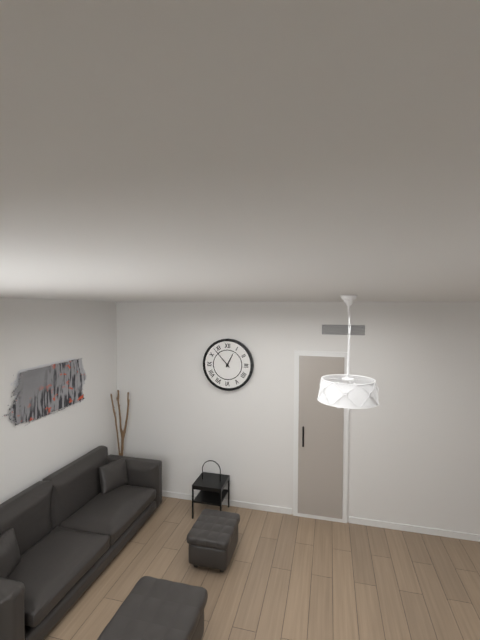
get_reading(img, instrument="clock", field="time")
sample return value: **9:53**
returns **12:53**
